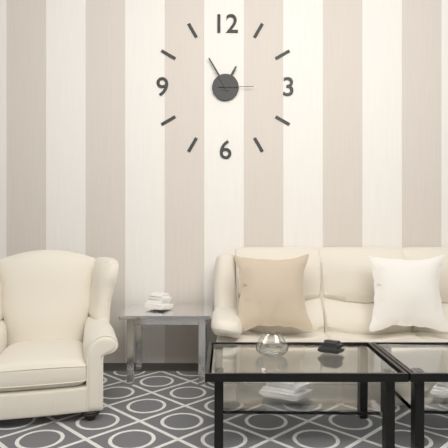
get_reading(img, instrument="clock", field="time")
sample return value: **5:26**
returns **12:55**
